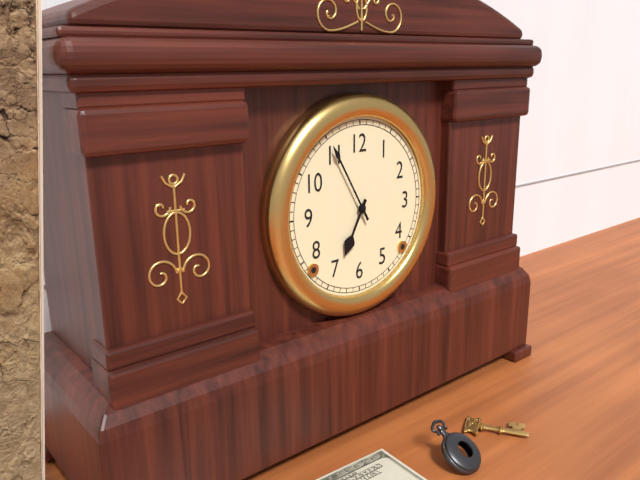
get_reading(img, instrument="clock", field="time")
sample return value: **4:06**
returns **6:55**
